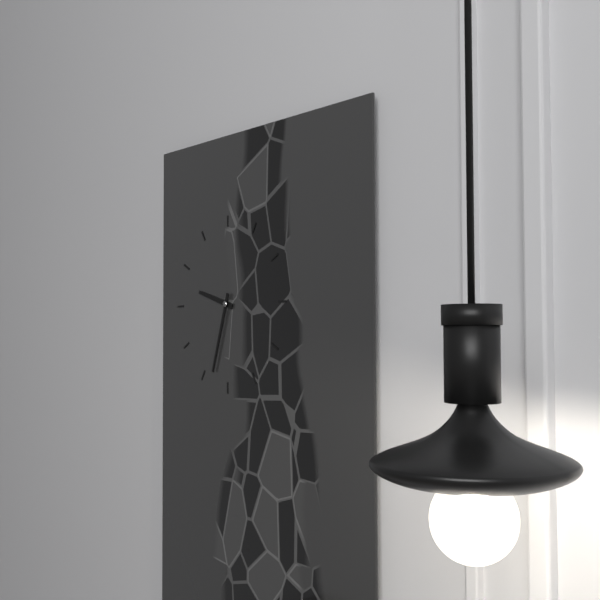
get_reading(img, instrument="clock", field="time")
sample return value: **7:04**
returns **9:33**
